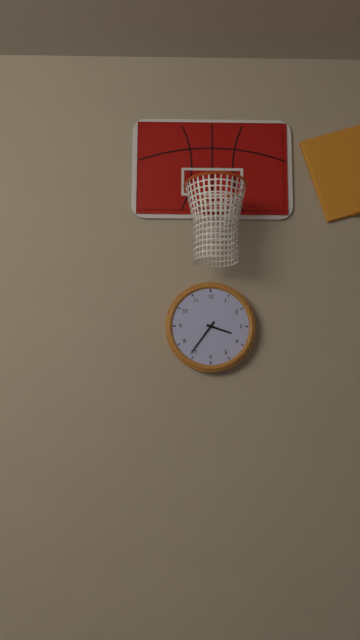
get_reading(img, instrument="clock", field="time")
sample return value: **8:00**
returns **3:36**
